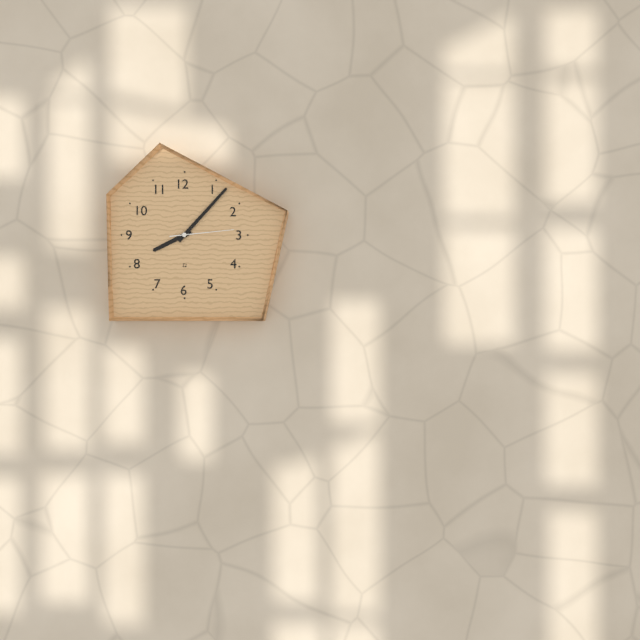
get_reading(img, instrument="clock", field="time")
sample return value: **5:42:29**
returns **8:07:14**
